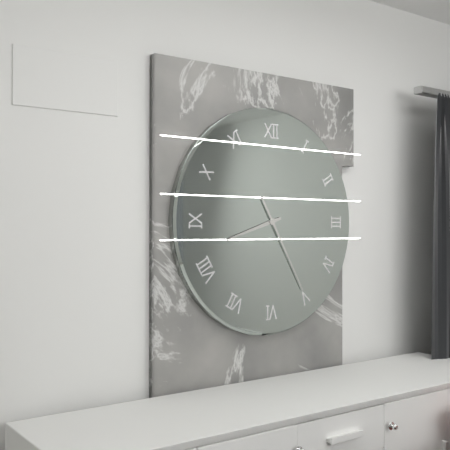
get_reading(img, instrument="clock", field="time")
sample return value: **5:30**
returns **8:25**
